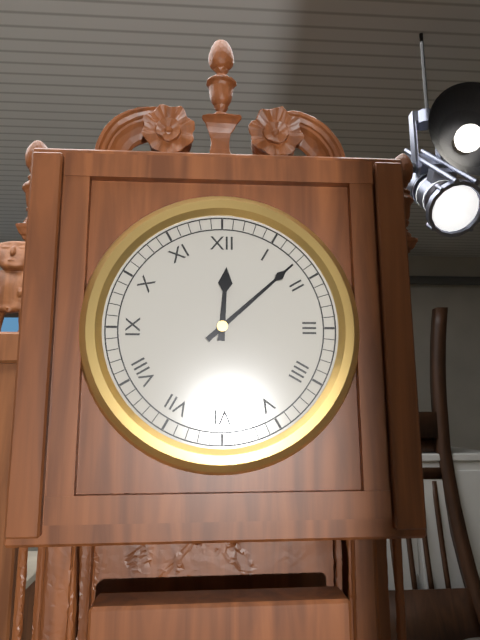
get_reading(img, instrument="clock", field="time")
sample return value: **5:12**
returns **12:08**
